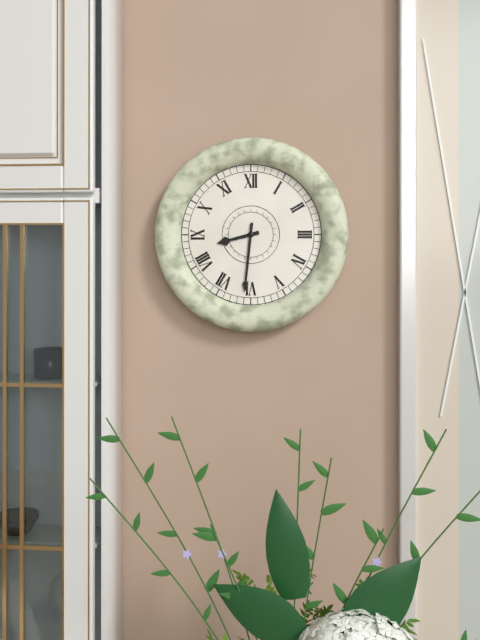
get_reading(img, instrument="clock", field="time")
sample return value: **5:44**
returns **8:31**
